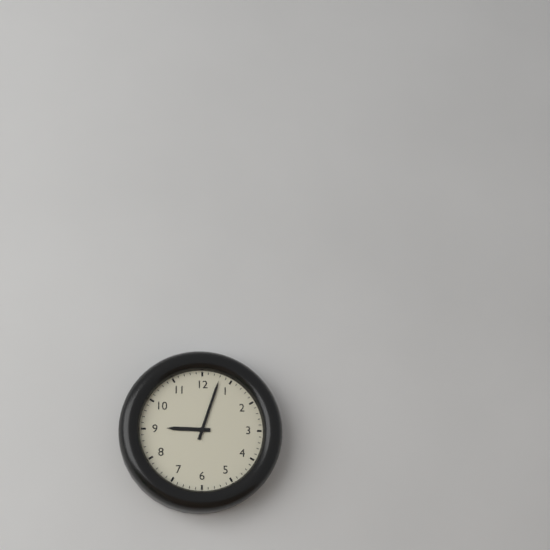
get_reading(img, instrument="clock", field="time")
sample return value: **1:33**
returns **9:03**
